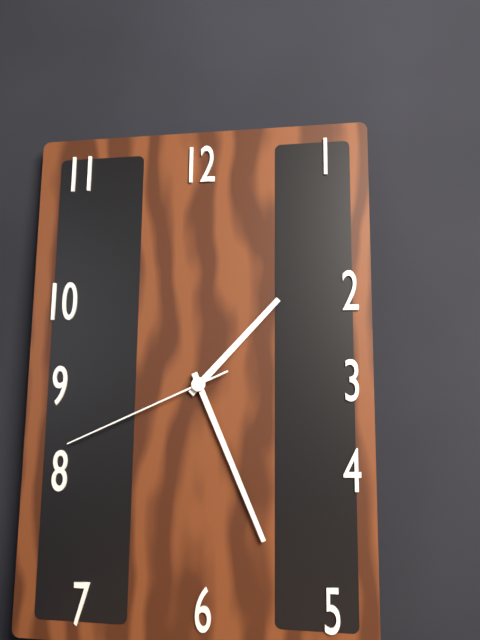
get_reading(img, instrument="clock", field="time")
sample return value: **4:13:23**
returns **1:26:41**
